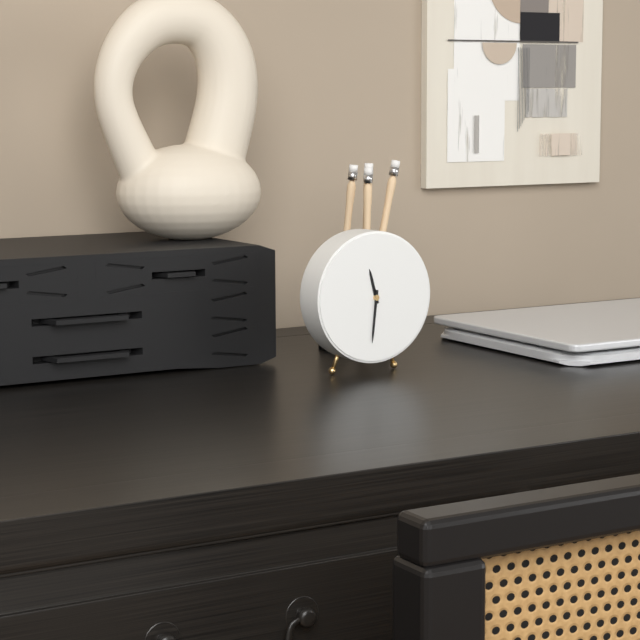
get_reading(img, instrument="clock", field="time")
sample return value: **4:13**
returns **11:31**
